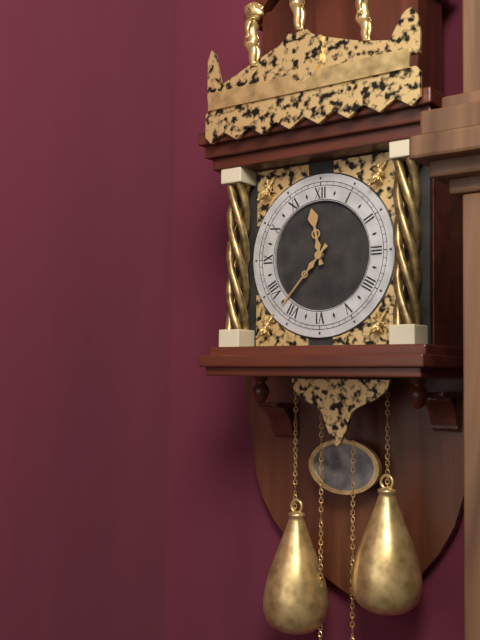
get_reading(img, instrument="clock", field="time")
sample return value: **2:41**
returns **11:37**
